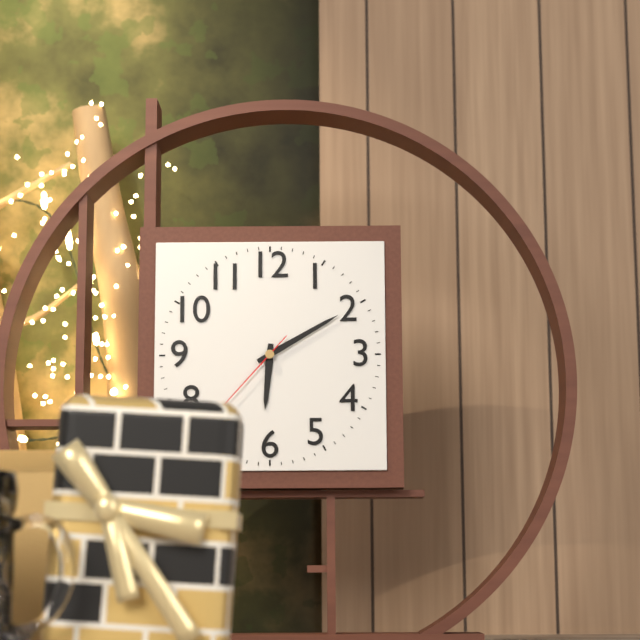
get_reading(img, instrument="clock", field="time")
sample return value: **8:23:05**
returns **6:10:37**
